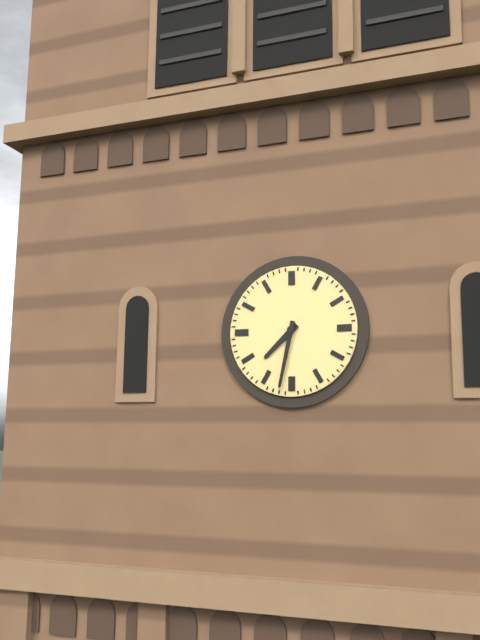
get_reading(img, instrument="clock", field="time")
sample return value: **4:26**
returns **7:32**
